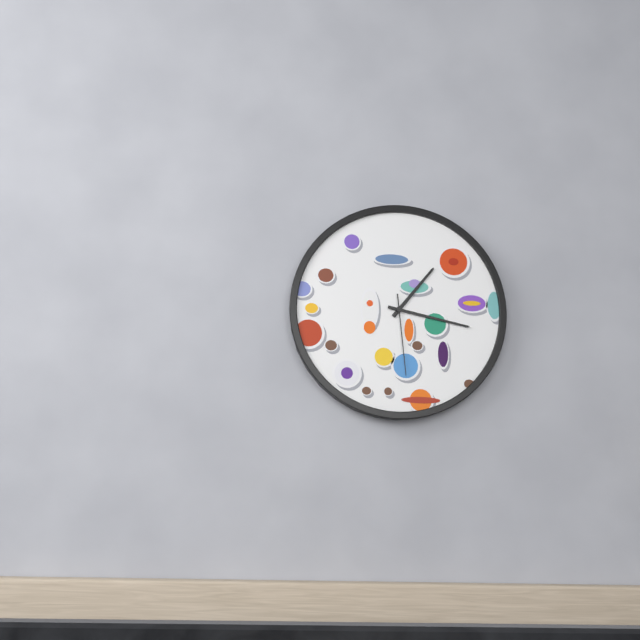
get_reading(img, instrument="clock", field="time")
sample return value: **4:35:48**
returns **1:17:29**
